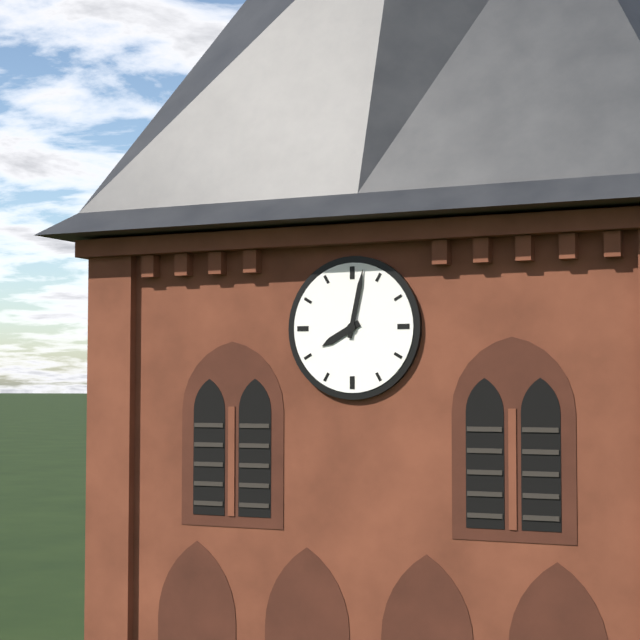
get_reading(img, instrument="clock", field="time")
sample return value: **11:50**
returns **8:02**
